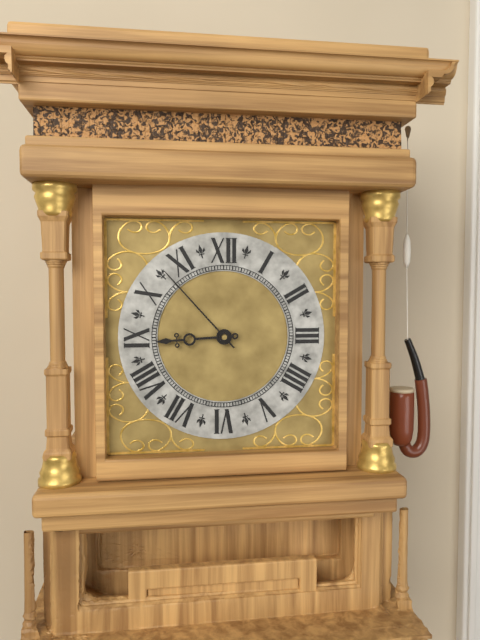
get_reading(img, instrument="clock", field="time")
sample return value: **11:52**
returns **8:53**
